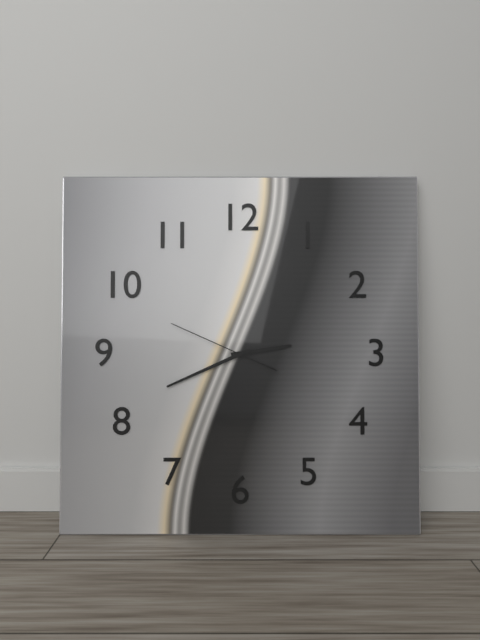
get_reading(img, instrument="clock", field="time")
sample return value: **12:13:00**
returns **2:41:49**
